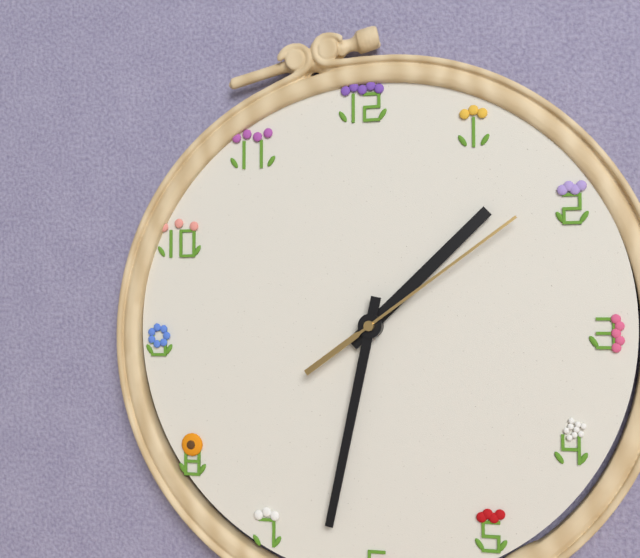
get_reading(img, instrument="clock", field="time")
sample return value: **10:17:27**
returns **1:32:09**
